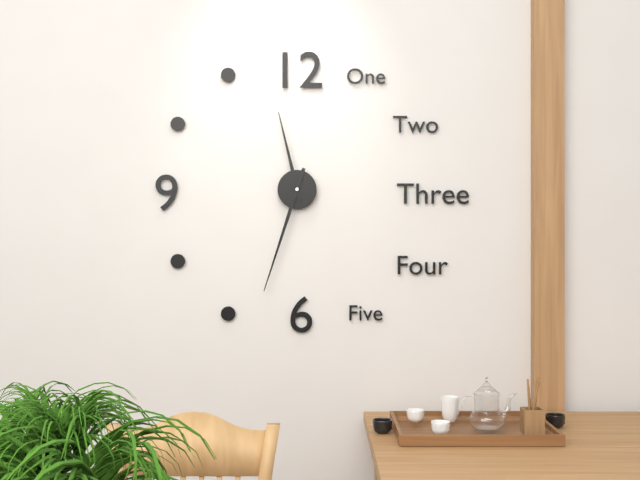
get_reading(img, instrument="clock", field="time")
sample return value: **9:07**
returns **11:33**
